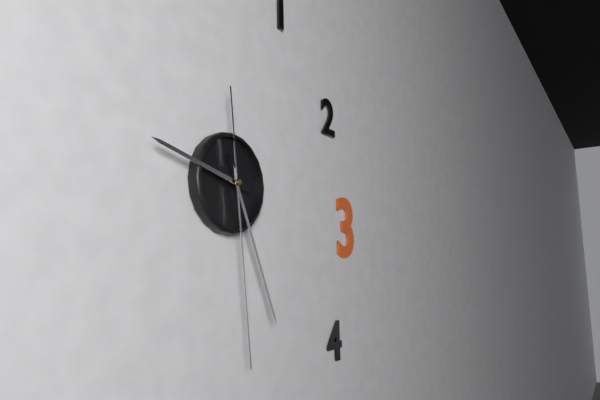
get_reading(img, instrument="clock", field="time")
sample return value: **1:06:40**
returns **9:26:29**
